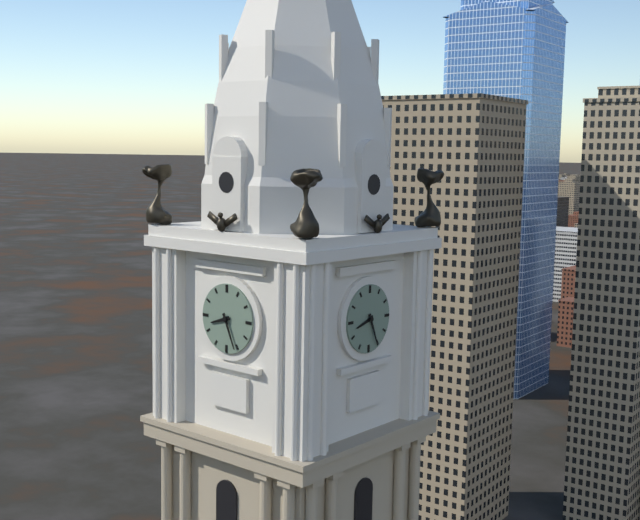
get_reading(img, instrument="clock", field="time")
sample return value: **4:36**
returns **8:26**
